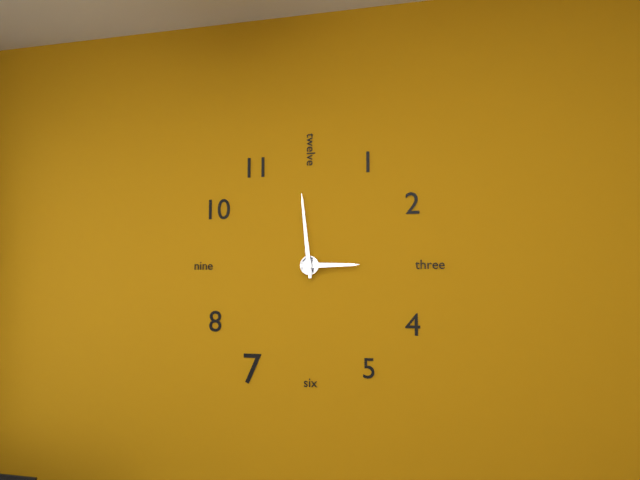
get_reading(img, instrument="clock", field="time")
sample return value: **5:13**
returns **2:59**
